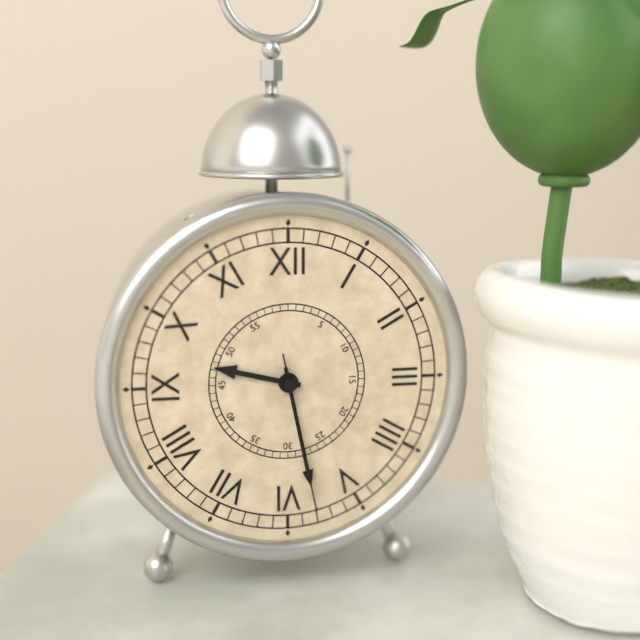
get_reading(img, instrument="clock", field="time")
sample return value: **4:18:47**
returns **9:28:28**
